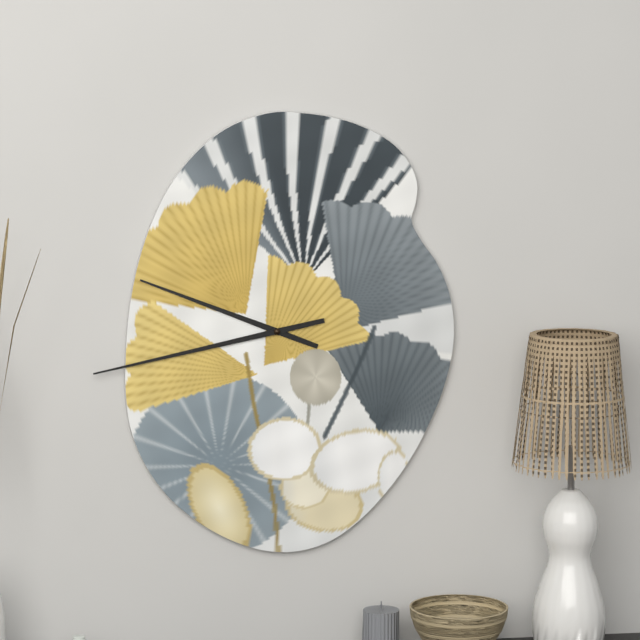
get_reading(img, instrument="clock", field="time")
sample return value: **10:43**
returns **9:43**
